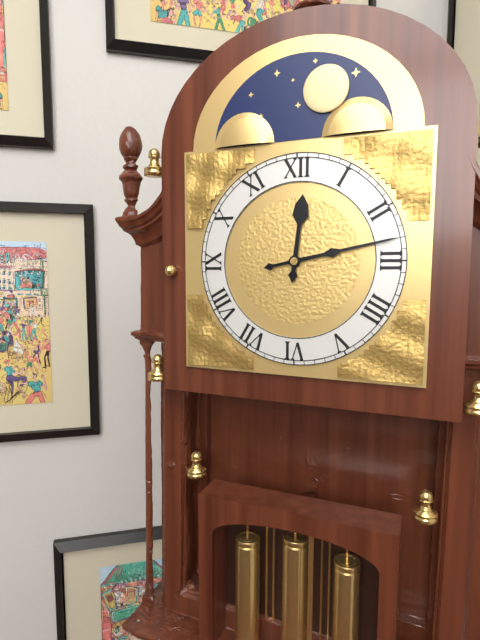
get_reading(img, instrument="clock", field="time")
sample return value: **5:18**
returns **12:13**
